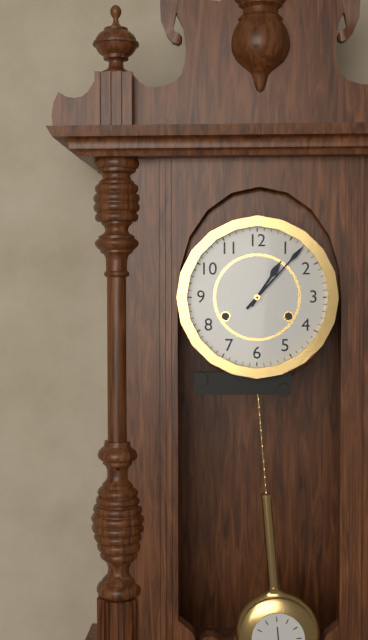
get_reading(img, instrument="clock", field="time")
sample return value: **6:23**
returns **1:07**
